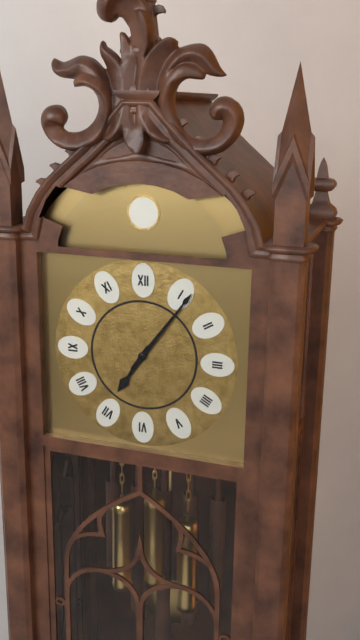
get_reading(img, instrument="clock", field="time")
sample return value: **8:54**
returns **7:06**
